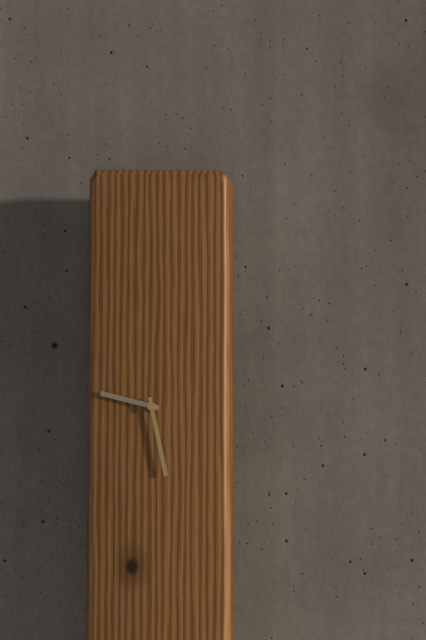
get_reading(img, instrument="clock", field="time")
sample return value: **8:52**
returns **9:28**
